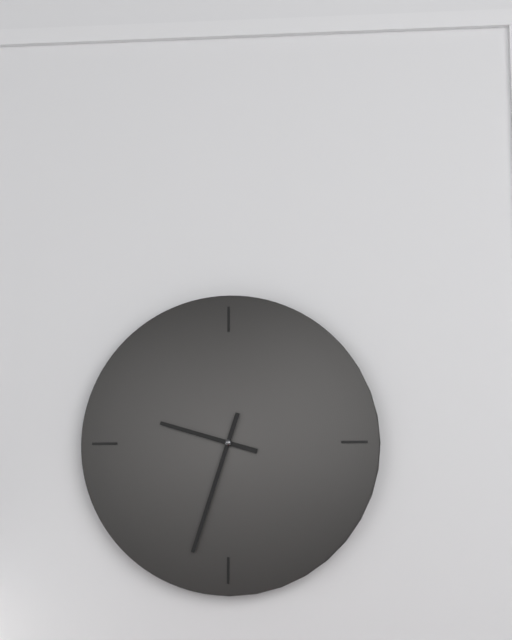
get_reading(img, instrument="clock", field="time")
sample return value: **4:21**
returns **9:33**
